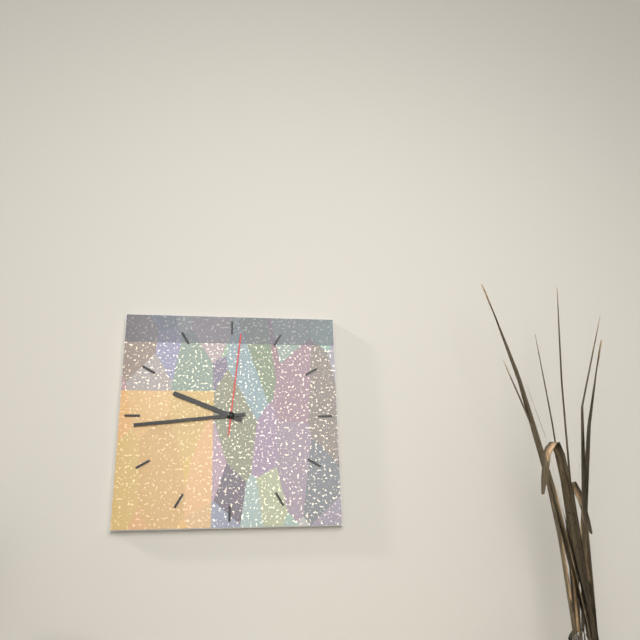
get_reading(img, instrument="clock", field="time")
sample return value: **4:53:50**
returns **9:44:01**
